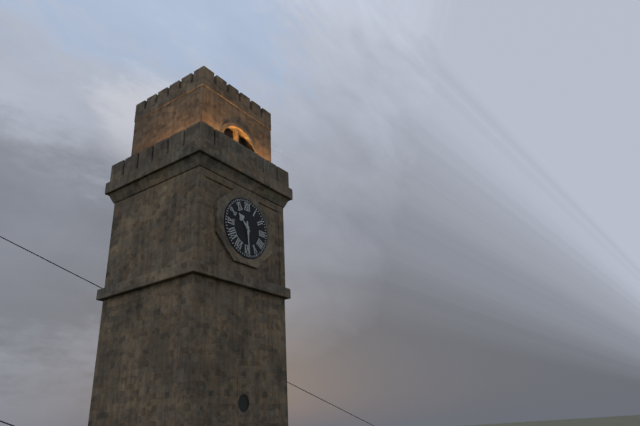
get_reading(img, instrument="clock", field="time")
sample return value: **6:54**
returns **10:29**
